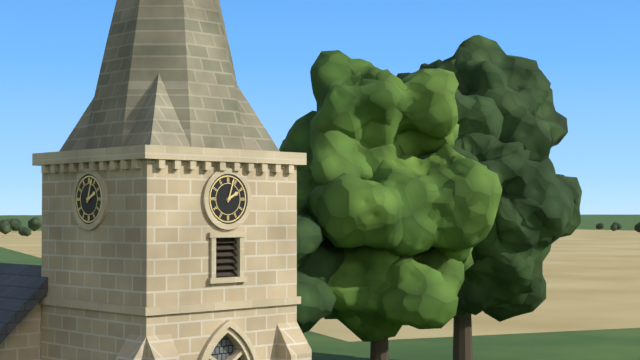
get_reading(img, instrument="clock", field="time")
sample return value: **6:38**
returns **2:03**
